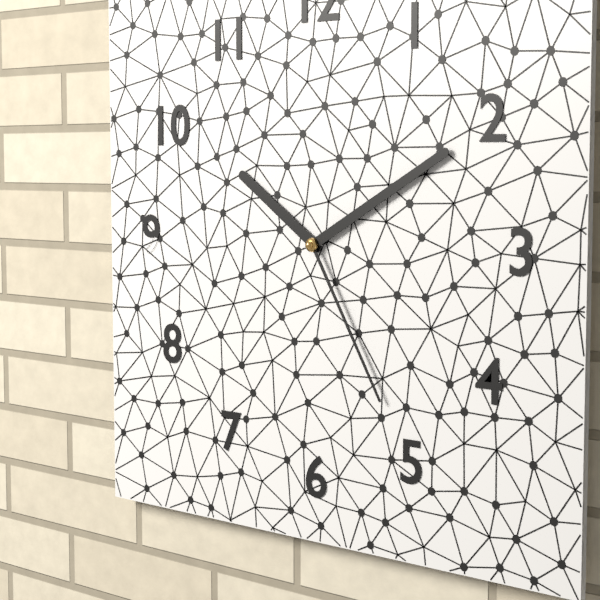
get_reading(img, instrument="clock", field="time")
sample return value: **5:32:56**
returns **10:10:25**
